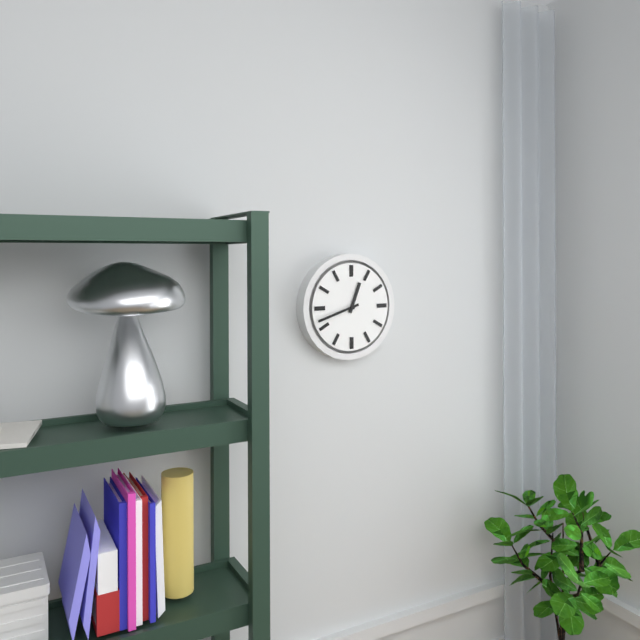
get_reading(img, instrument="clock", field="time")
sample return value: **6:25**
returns **12:42**
